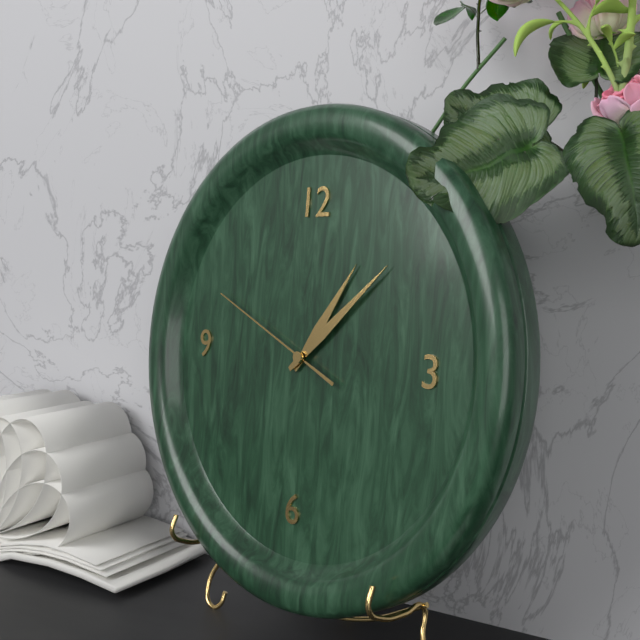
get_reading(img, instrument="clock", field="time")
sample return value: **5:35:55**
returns **1:08:49**
